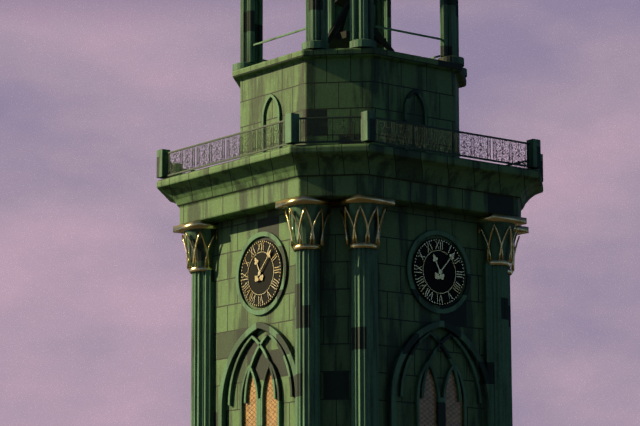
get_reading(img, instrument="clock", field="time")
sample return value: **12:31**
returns **11:07**
